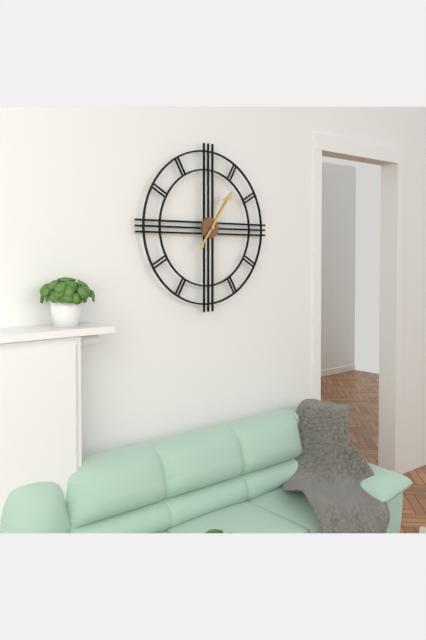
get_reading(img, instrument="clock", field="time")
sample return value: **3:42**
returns **1:06**
